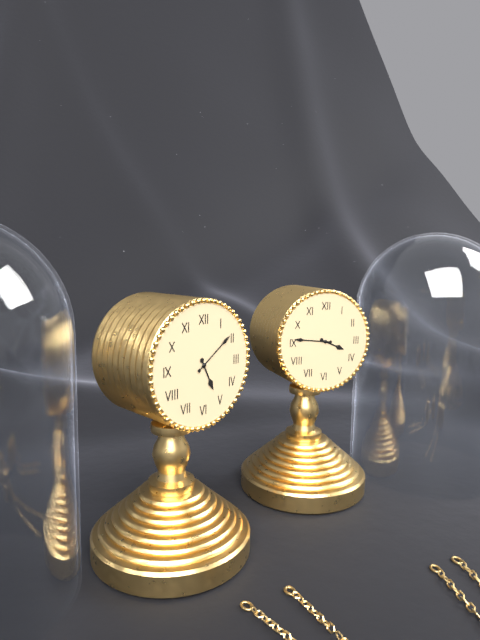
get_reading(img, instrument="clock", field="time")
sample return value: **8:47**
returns **5:09**
